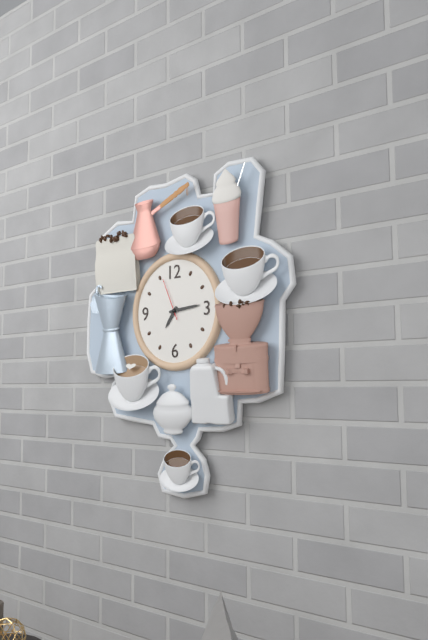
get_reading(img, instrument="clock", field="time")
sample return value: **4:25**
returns **7:14**
